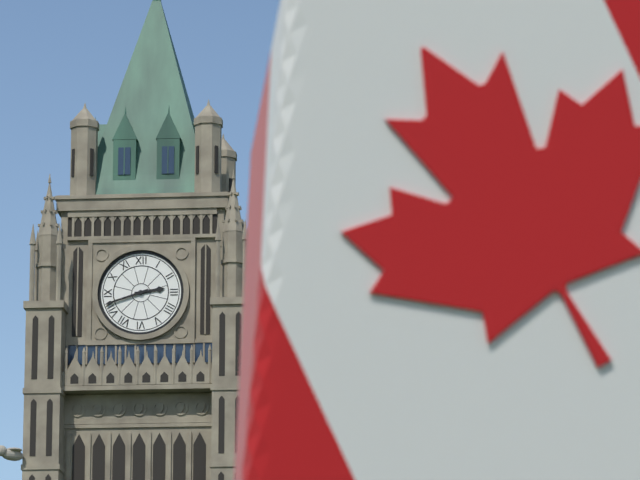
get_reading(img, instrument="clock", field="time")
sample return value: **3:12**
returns **2:42**
